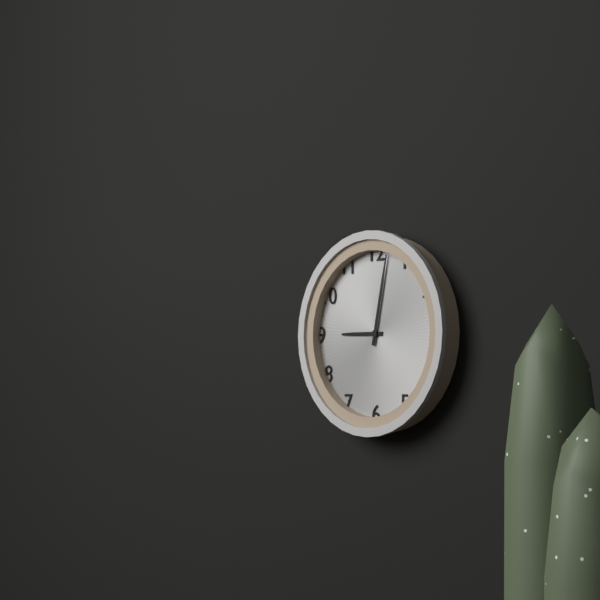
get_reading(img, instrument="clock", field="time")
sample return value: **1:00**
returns **9:02**
